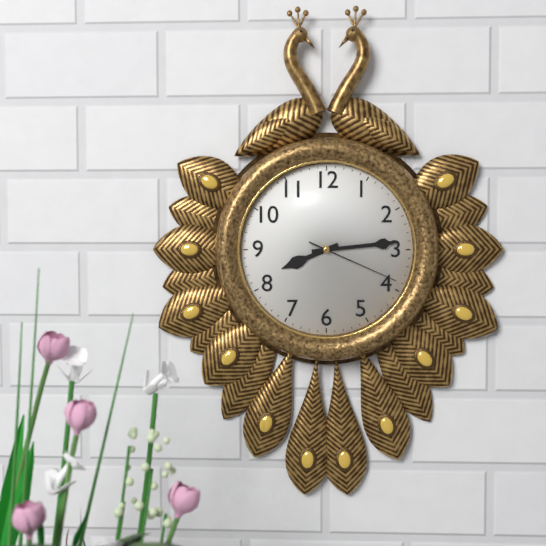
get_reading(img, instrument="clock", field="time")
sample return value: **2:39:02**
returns **8:14:19**
